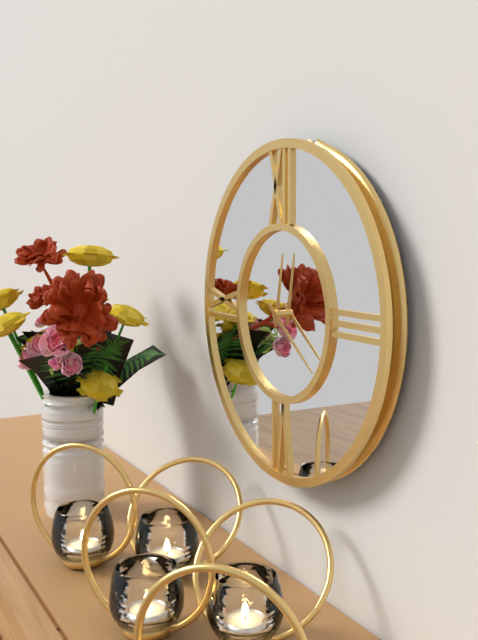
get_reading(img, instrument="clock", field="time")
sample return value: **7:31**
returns **12:21**
